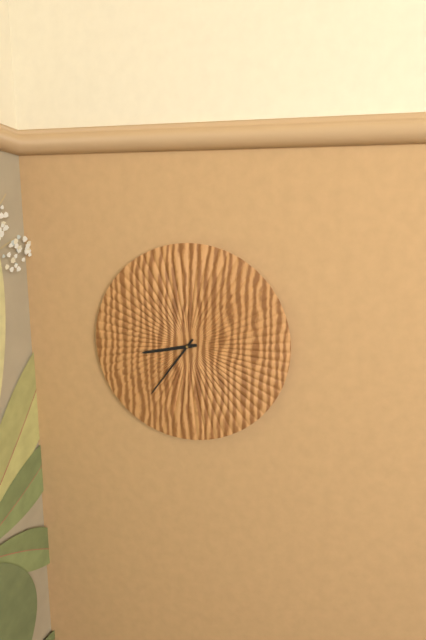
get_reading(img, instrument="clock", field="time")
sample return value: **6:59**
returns **8:36**
